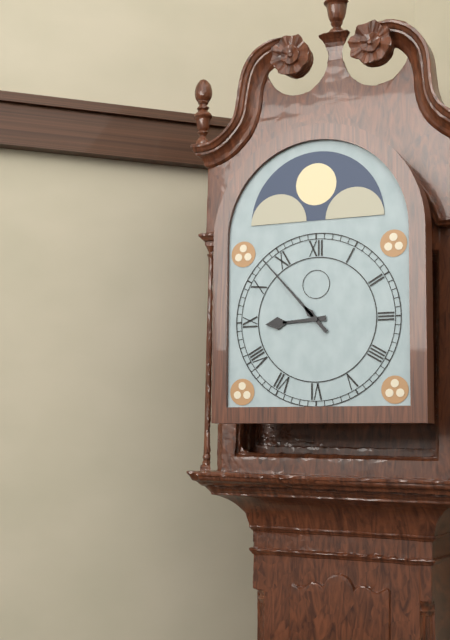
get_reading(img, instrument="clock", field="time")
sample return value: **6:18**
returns **8:53**
